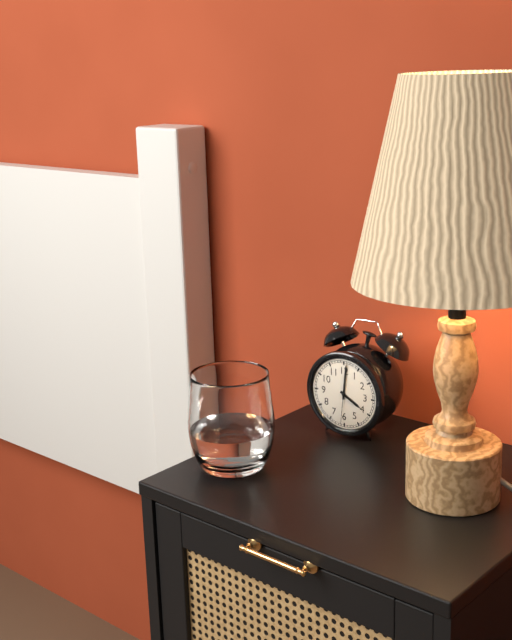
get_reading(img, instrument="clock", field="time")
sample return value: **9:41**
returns **4:01**
